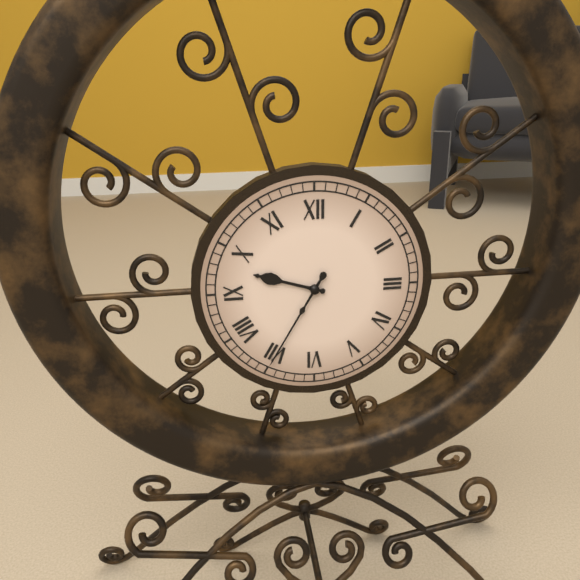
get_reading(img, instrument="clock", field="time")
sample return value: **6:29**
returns **9:35**
